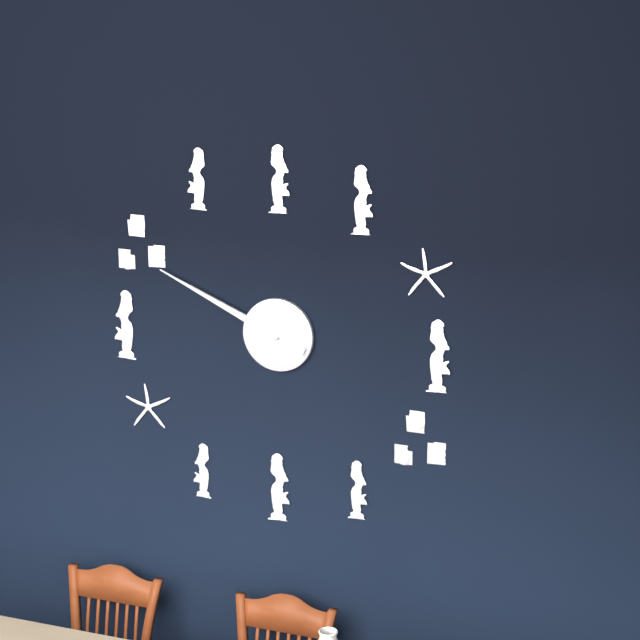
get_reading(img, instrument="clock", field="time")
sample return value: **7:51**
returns **9:49**
